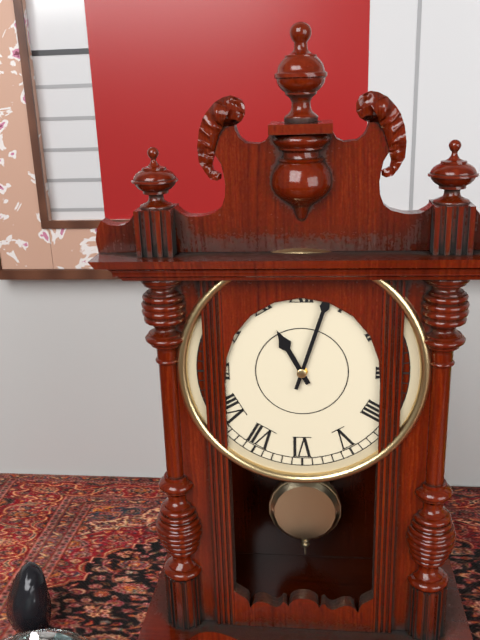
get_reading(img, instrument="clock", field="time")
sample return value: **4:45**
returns **11:03**
